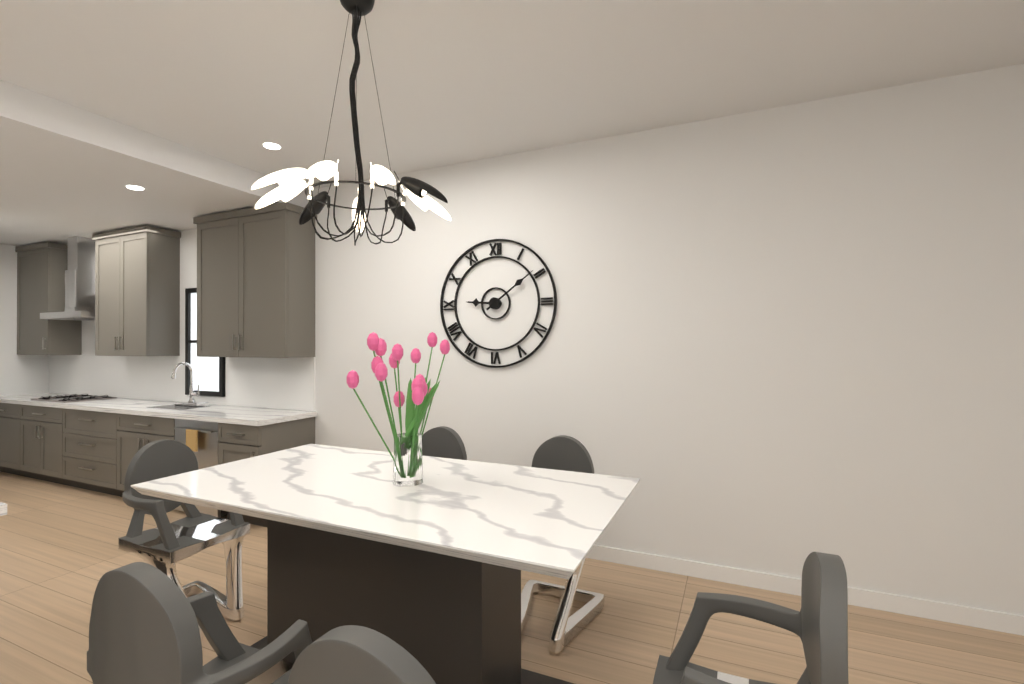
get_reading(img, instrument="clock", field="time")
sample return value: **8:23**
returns **9:09**
